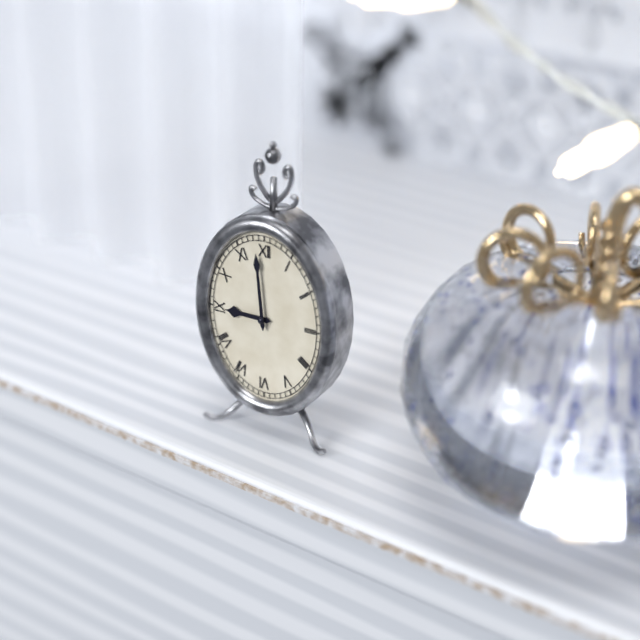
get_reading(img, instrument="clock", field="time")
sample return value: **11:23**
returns **8:59**
